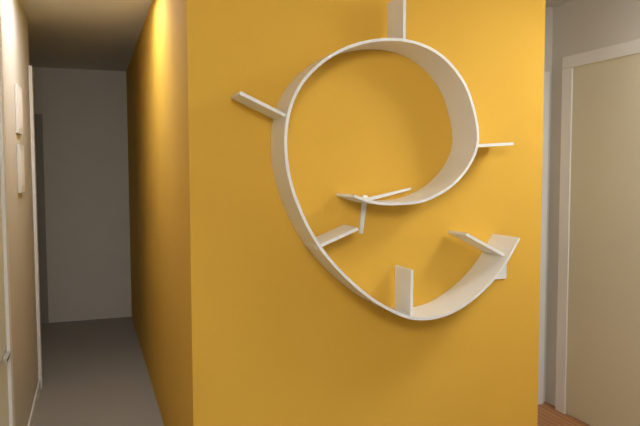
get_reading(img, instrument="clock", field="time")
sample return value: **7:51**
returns **6:13**
